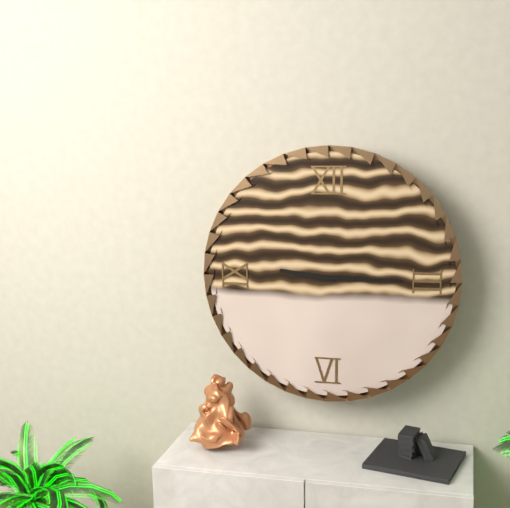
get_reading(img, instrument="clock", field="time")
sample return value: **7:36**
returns **9:15**
